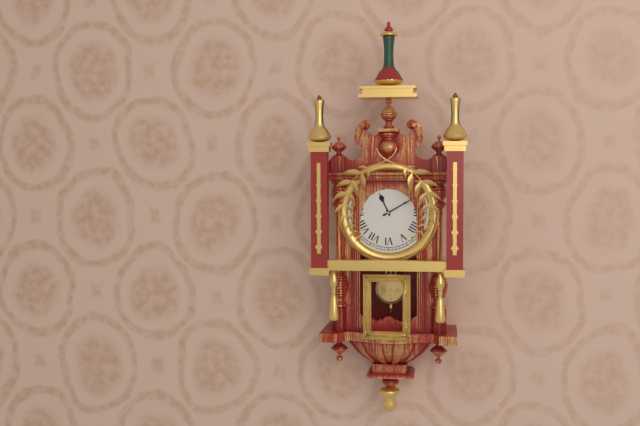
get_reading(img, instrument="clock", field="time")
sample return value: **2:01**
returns **11:10**
